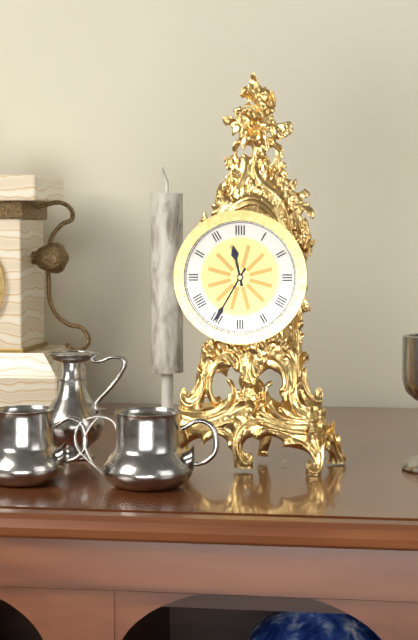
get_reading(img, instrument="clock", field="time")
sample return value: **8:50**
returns **11:35**
